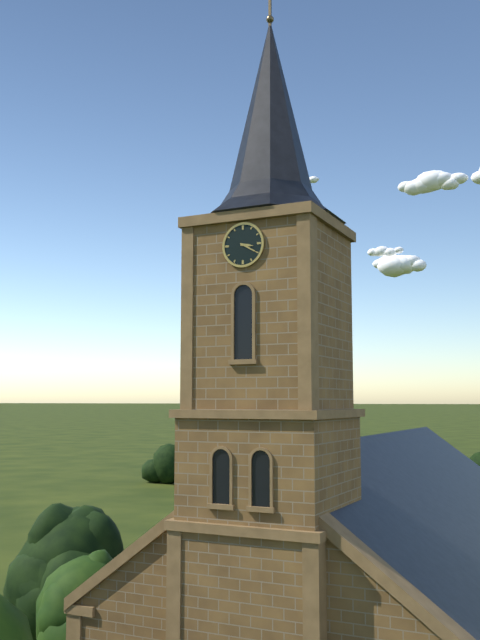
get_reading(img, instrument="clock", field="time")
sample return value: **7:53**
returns **3:20**
